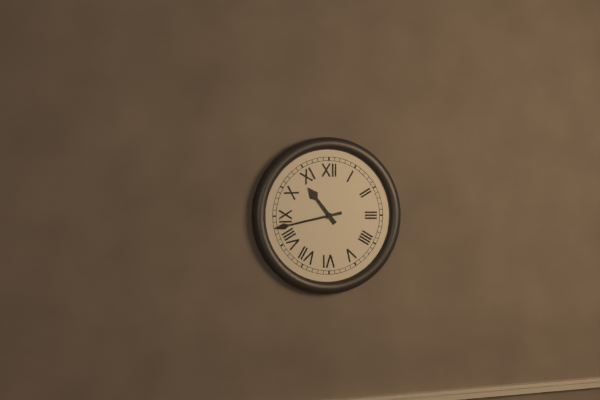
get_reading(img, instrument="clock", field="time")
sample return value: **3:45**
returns **10:43**
